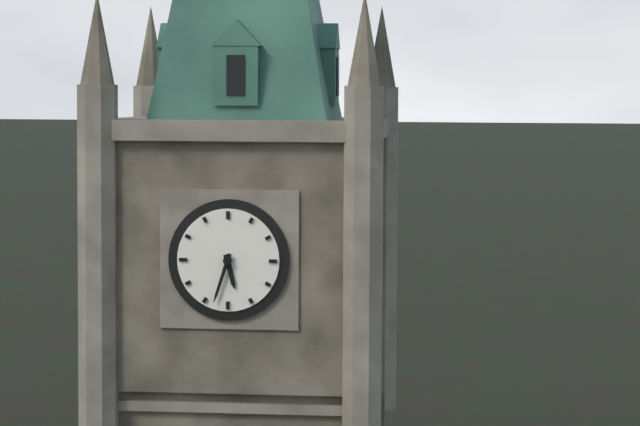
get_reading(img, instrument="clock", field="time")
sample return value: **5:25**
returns **5:33**
